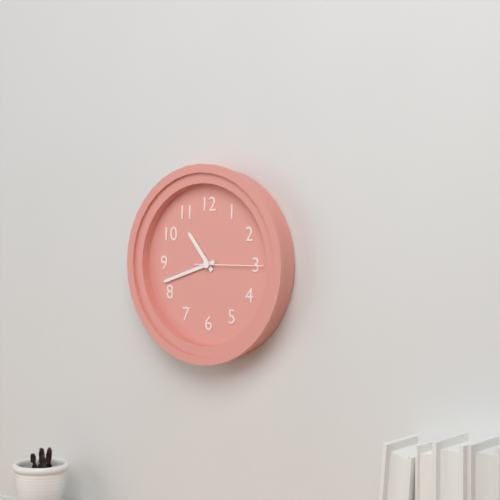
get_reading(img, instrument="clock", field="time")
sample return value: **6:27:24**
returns **10:42:15**
